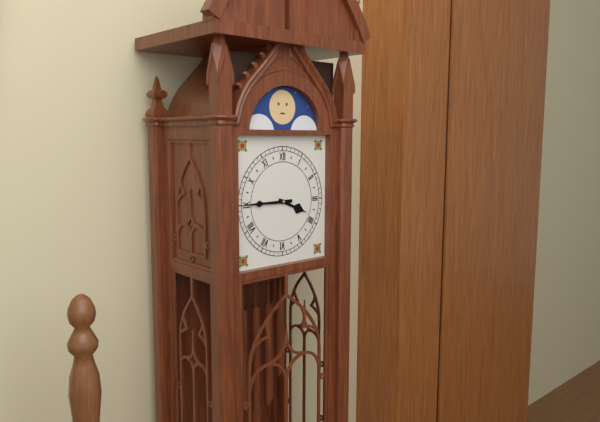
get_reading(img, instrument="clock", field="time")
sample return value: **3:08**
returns **3:45**
